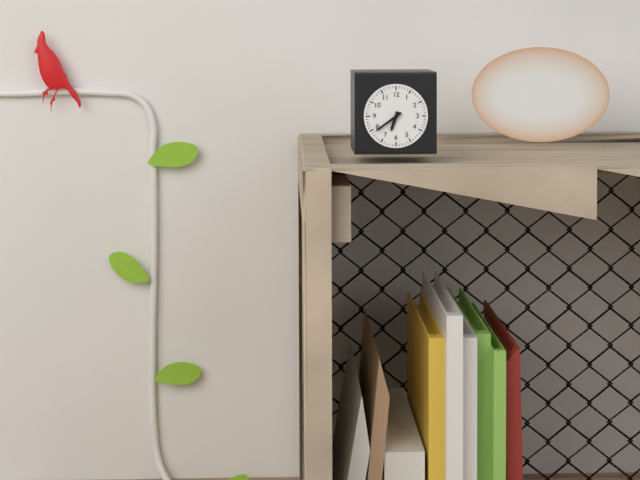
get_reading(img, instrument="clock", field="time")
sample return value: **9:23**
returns **6:39**
